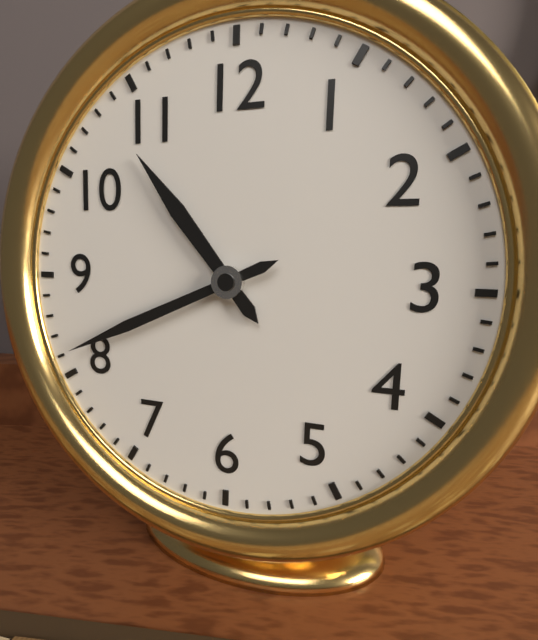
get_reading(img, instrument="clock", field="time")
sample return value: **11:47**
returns **10:41**
